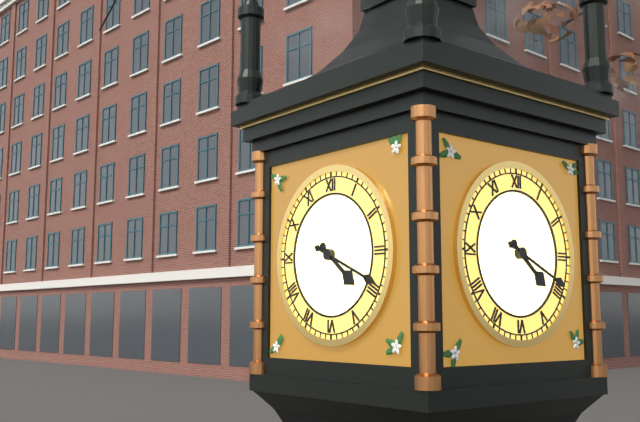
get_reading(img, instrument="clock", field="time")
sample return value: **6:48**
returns **4:19**
